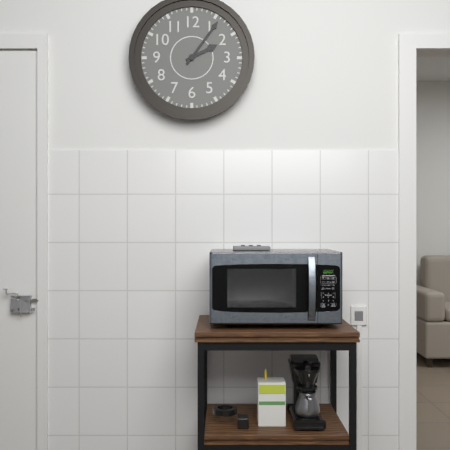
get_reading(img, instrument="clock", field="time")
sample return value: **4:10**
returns **2:06**
